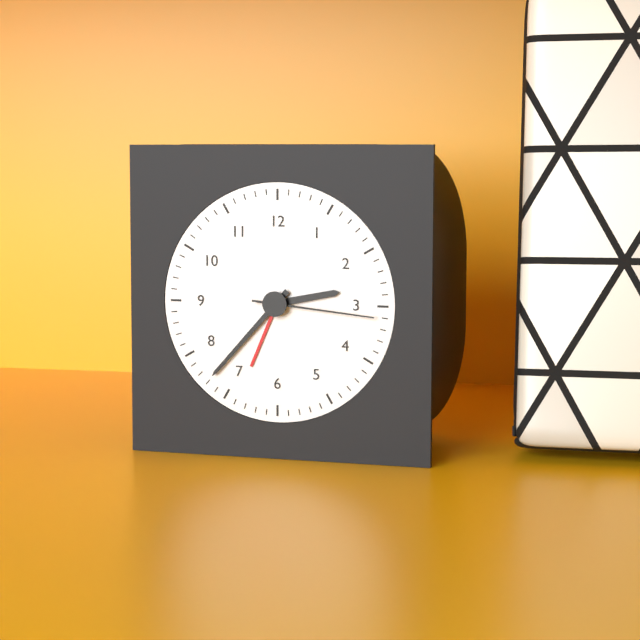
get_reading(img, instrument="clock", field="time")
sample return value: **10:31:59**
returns **2:37:16**
